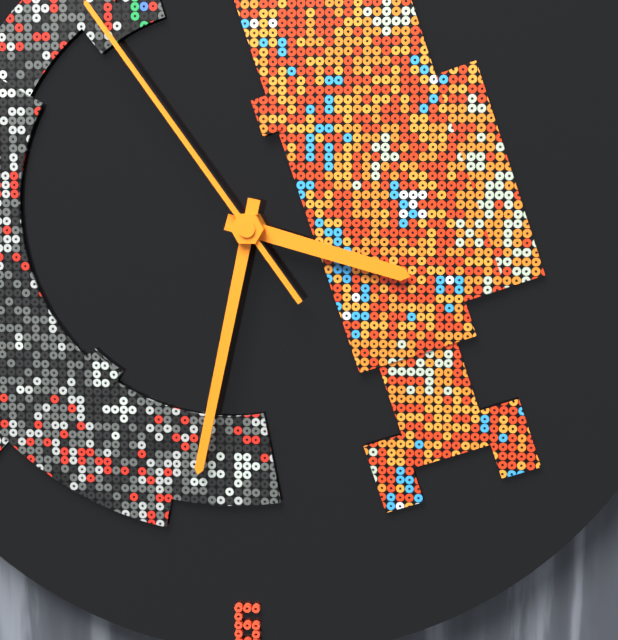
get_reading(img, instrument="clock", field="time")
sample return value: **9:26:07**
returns **3:32:54**
